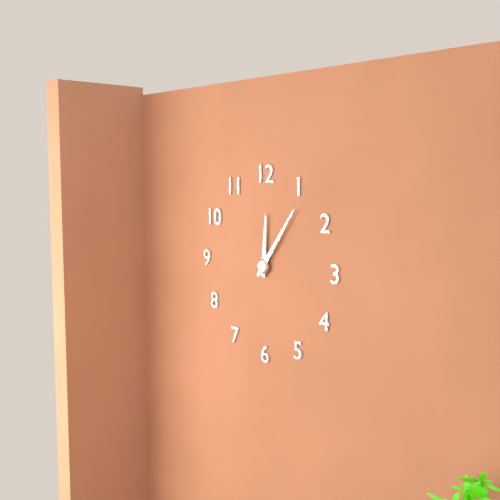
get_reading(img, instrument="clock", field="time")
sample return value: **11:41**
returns **12:06**
